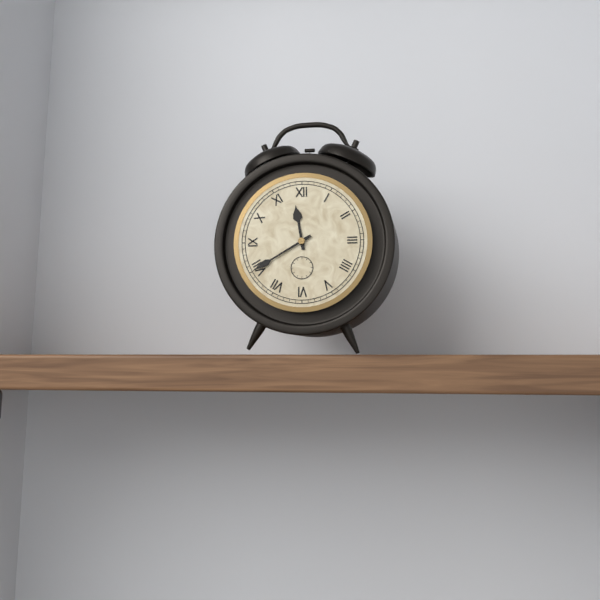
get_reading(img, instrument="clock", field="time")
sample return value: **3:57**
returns **11:40**
